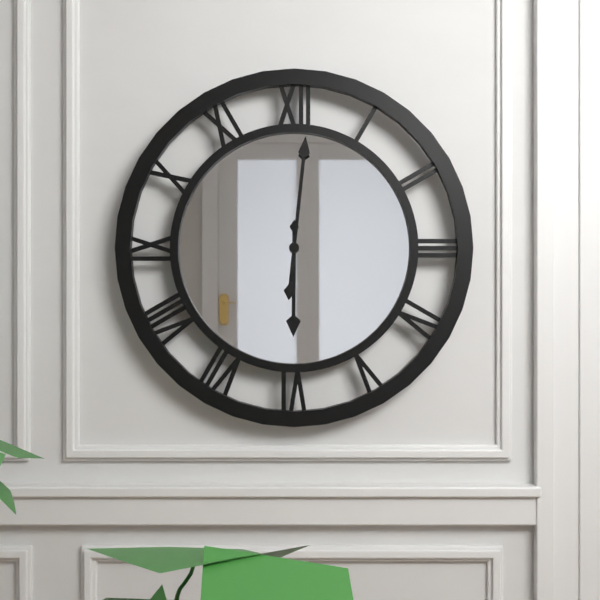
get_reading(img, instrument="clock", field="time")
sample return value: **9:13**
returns **6:01**
